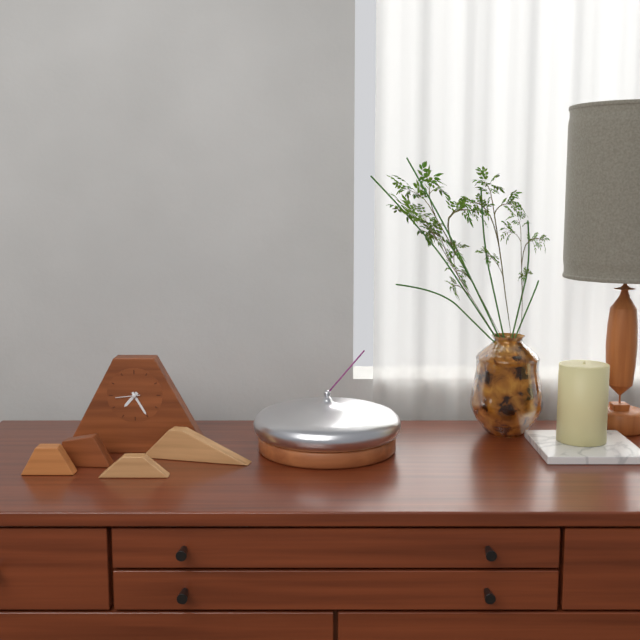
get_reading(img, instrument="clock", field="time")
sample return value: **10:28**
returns **7:25**
